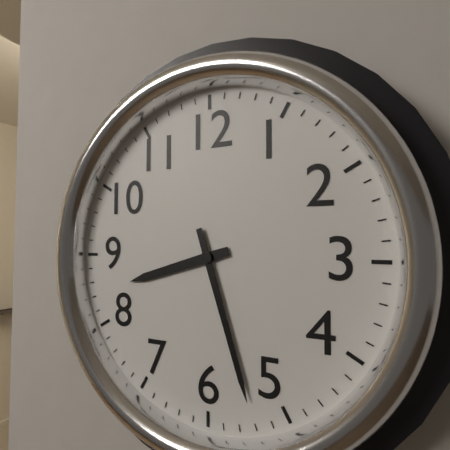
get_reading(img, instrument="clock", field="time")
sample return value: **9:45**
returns **8:27**
